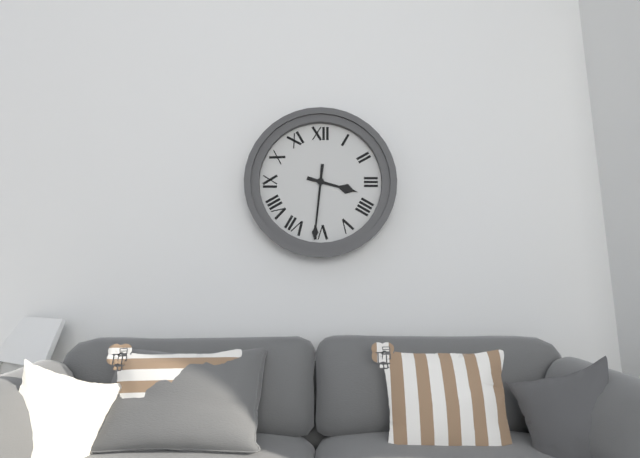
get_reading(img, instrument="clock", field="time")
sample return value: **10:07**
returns **3:31**
